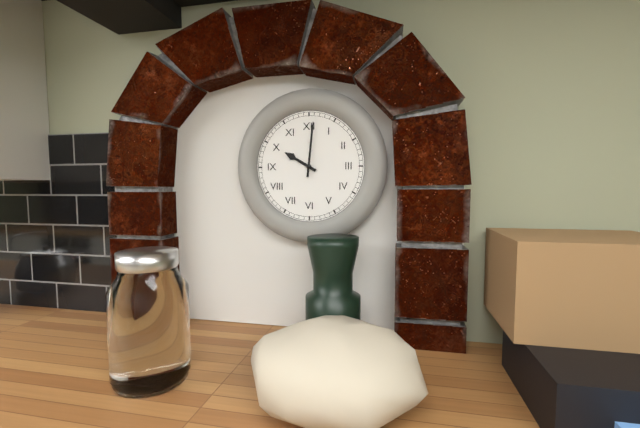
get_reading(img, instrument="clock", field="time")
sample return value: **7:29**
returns **10:01**
